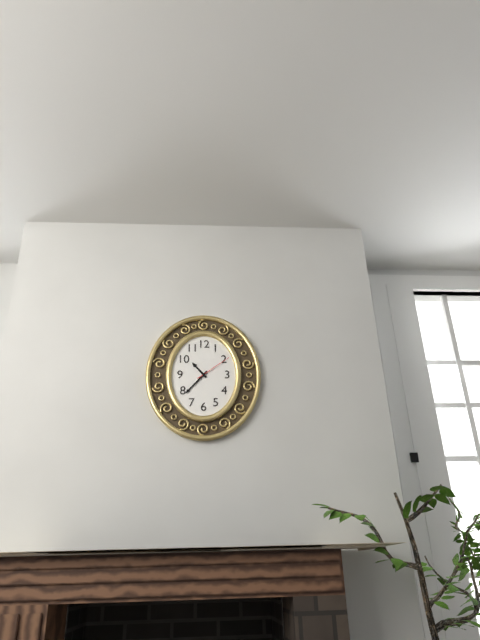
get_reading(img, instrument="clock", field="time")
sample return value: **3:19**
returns **10:37**
